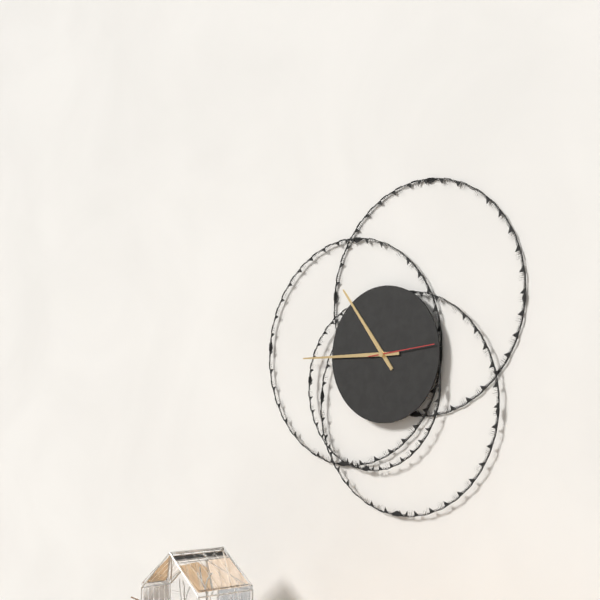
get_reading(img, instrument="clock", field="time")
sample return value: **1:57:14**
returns **10:45:14**
